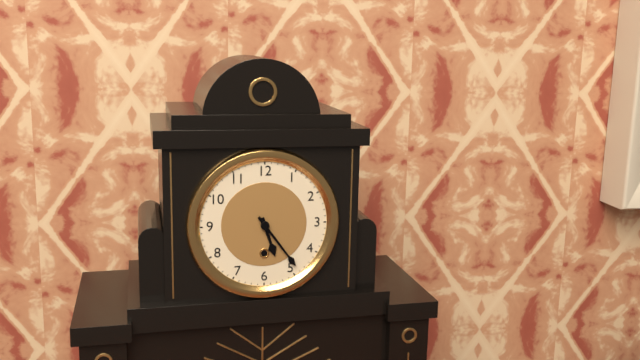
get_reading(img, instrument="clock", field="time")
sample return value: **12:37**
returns **5:24**
